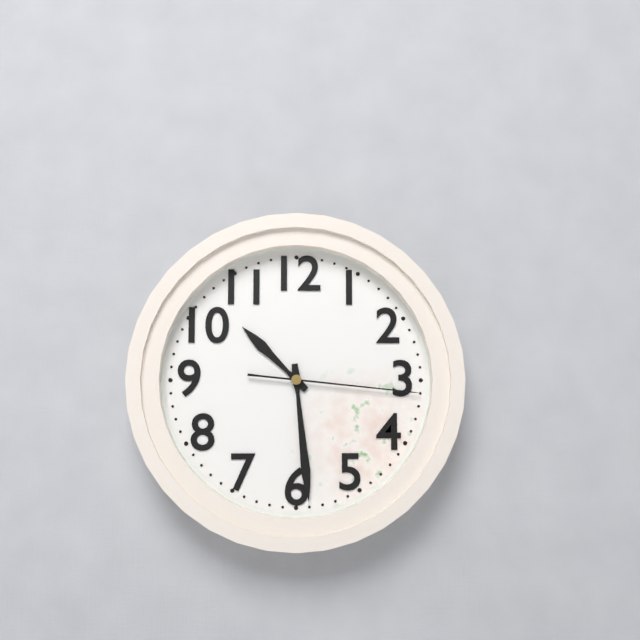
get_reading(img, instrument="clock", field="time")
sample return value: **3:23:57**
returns **10:29:16**
